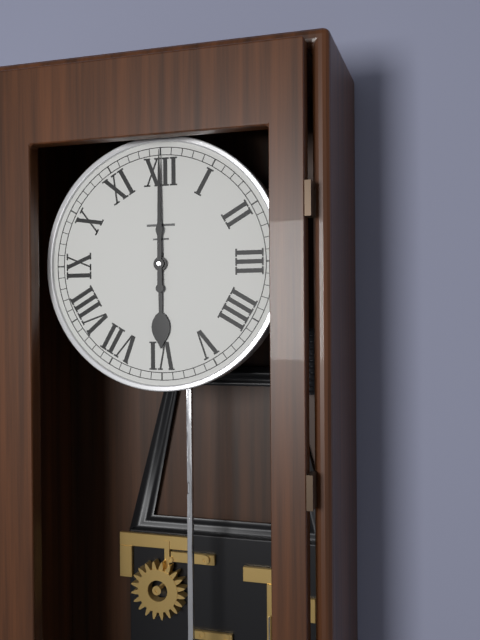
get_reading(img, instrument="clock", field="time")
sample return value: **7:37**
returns **6:00**
